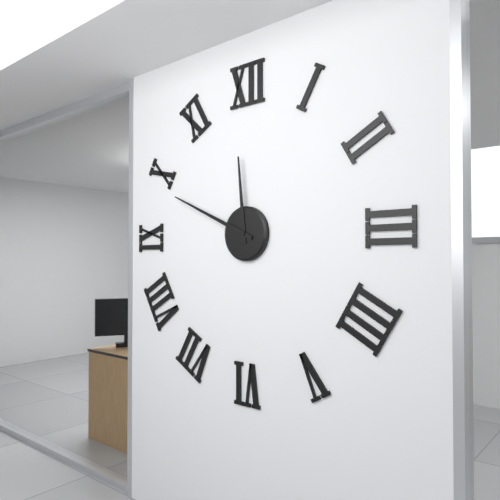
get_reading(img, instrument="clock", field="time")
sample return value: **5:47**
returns **11:49**
